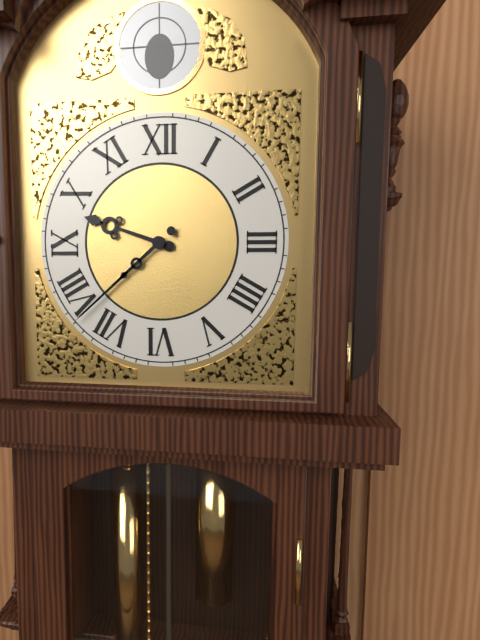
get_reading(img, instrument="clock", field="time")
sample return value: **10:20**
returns **9:38**
